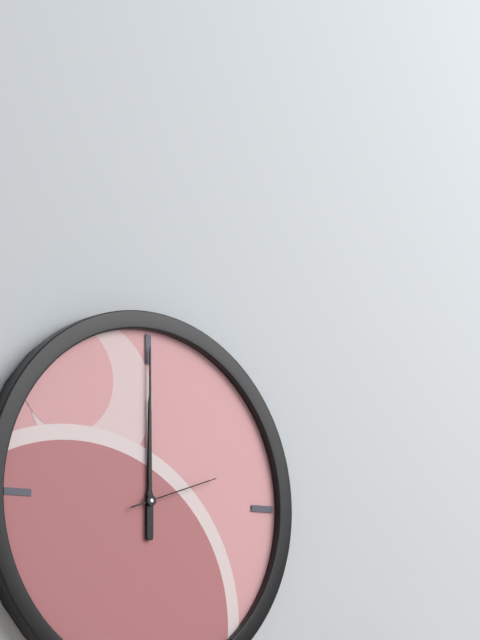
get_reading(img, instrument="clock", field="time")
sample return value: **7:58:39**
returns **12:00:12**
